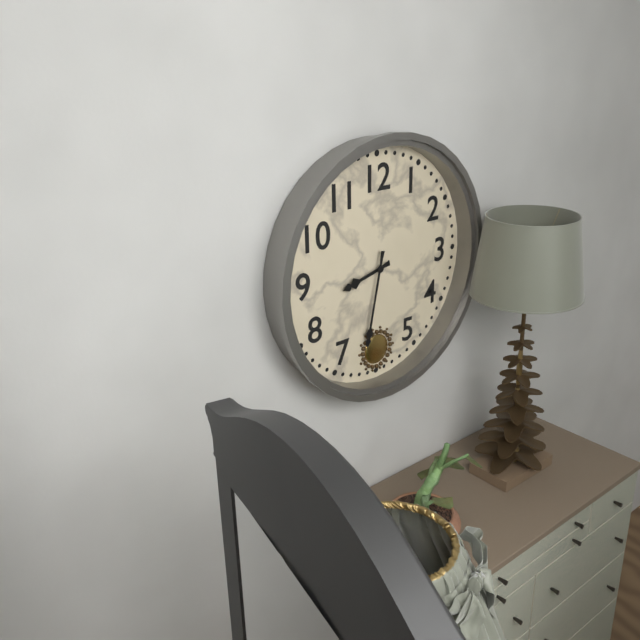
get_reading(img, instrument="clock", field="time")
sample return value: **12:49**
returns **8:32**
